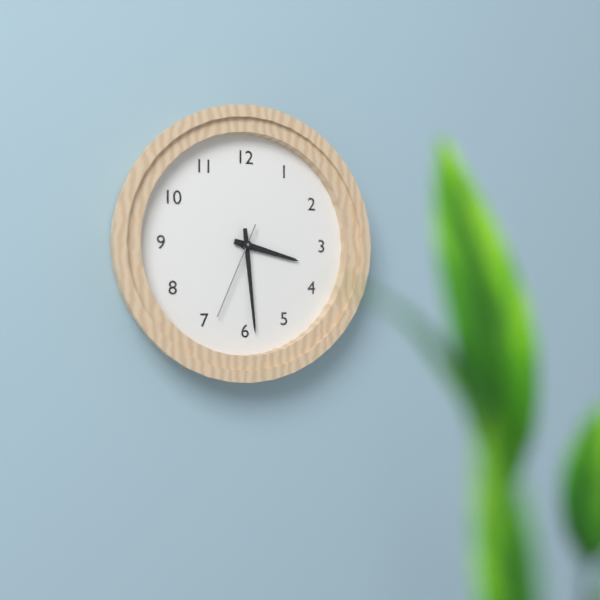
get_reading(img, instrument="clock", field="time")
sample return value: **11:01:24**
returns **3:29:34**
